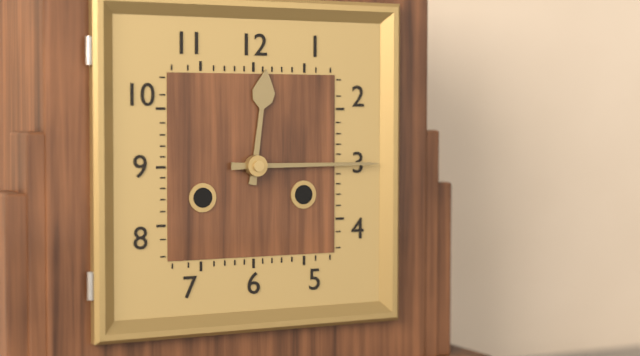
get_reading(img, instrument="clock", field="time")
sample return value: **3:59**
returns **12:15**
